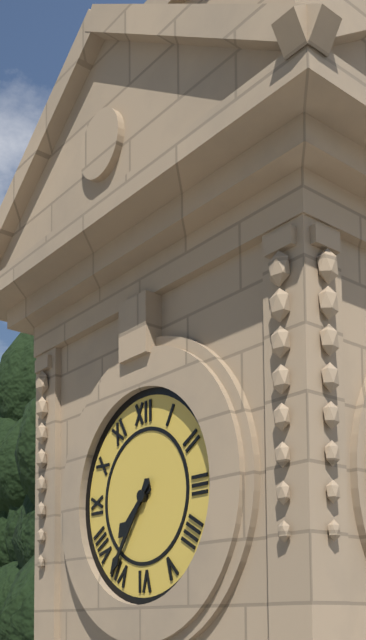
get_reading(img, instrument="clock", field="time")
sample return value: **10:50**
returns **7:36**
